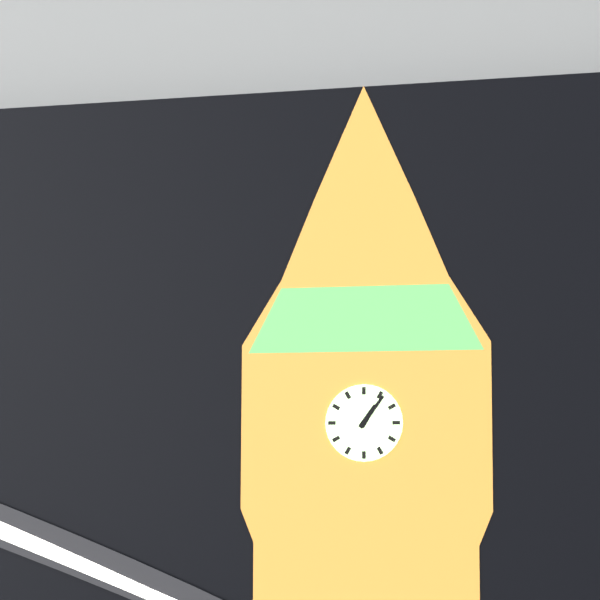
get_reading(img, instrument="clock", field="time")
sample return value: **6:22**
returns **1:06**
